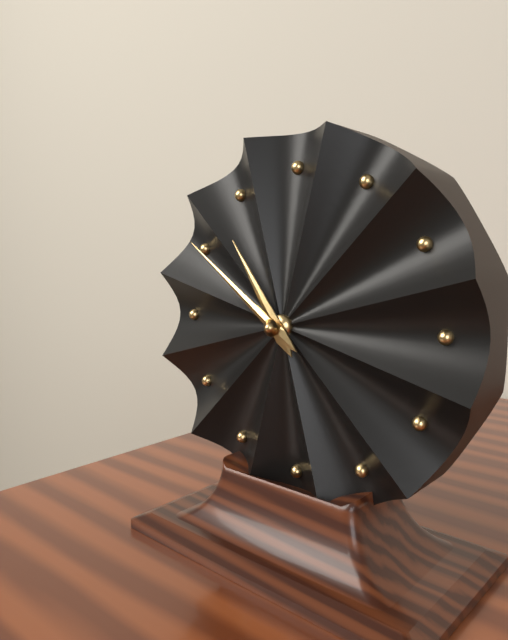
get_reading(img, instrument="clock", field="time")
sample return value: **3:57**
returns **10:51**
